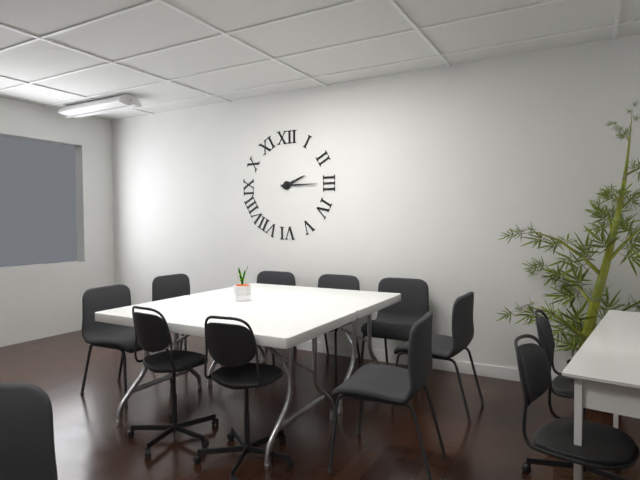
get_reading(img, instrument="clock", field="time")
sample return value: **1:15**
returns **2:15**
